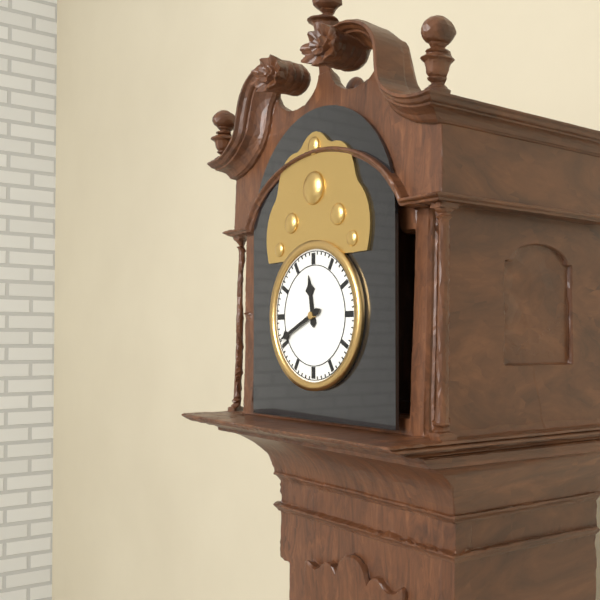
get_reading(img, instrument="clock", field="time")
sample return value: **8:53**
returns **11:41**
